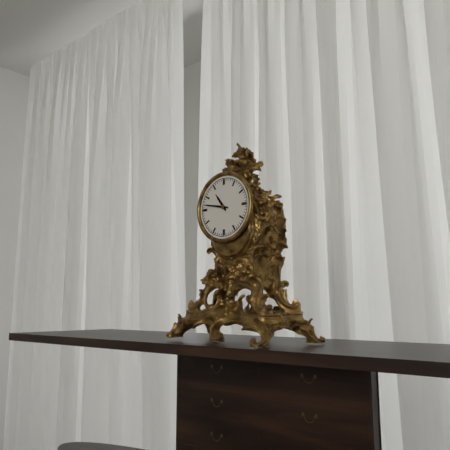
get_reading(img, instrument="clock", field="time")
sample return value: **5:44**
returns **10:47**
